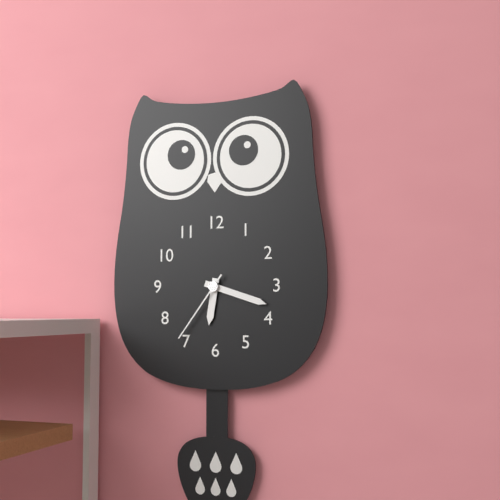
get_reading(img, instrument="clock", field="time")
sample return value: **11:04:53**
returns **6:18:36**
